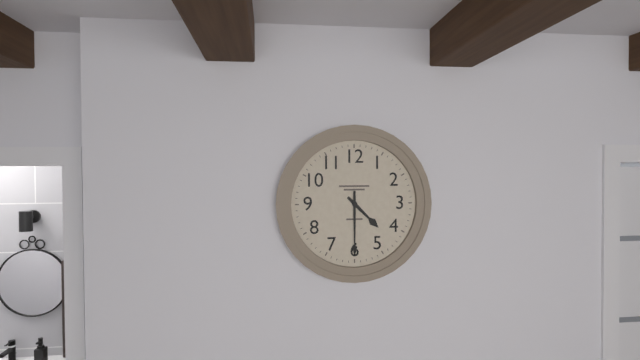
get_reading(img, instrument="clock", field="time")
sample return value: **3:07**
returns **4:30**
